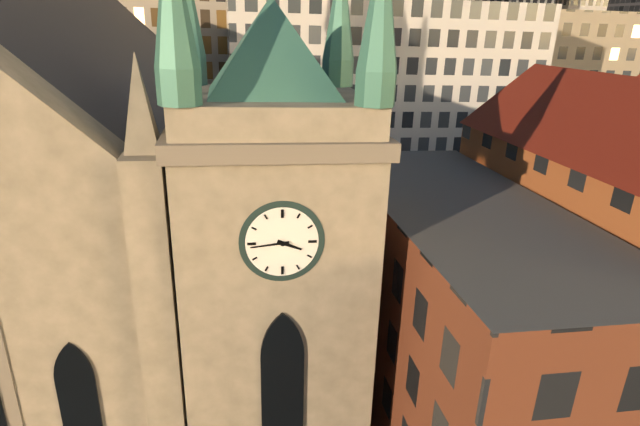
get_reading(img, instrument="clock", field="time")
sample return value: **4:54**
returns **3:44**
